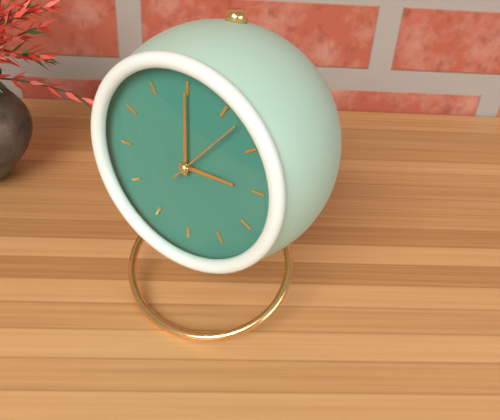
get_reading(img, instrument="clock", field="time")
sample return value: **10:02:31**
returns **3:00:07**
